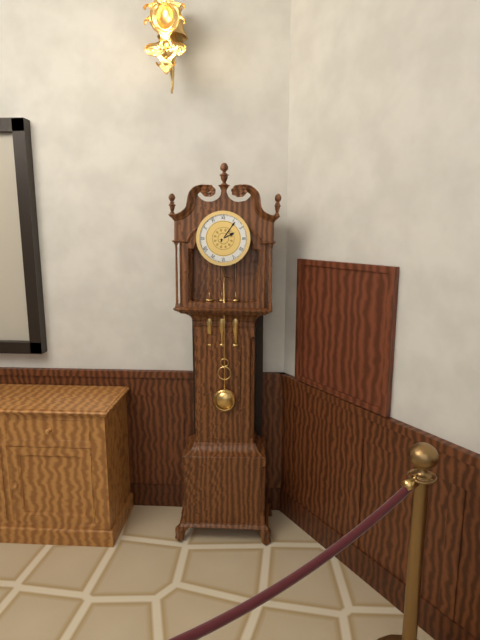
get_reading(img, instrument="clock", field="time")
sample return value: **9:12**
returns **2:06**
